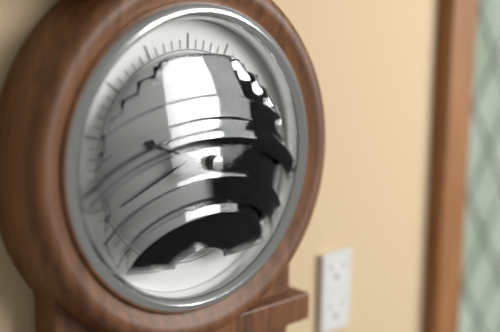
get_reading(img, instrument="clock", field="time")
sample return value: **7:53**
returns **9:41**
